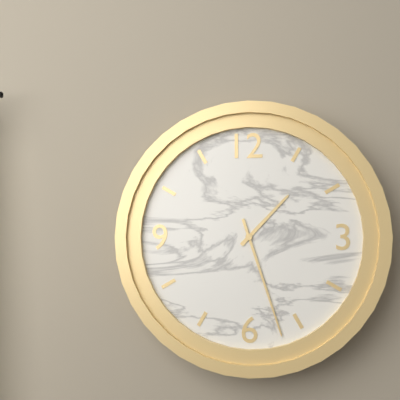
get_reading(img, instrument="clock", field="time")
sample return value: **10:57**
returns **1:27**
